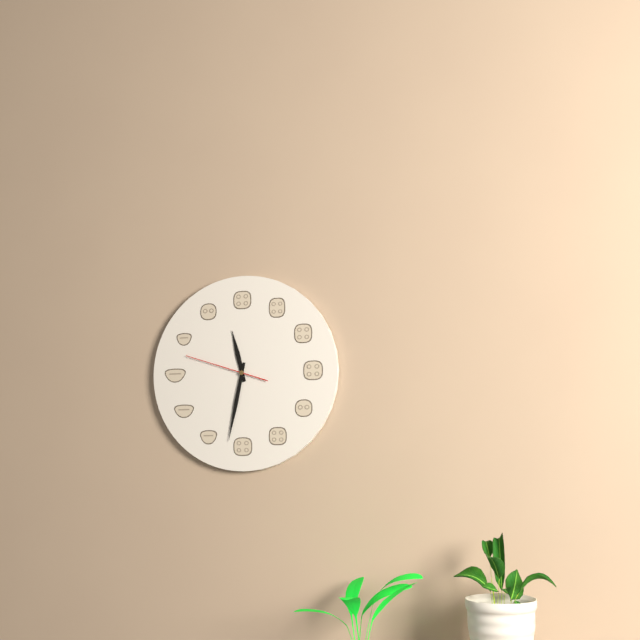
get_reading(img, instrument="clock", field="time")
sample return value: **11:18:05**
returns **11:32:48**
